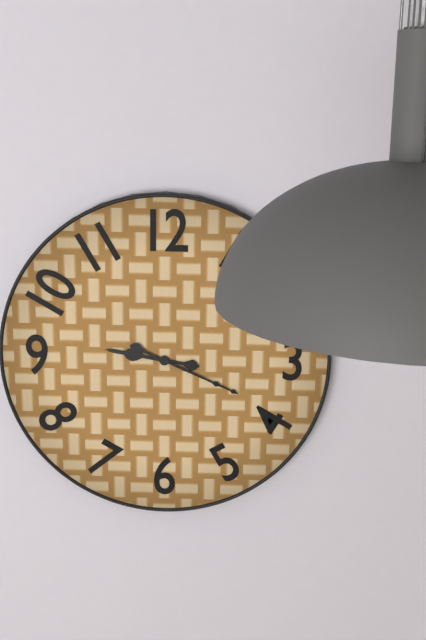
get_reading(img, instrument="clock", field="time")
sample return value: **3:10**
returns **9:19**
